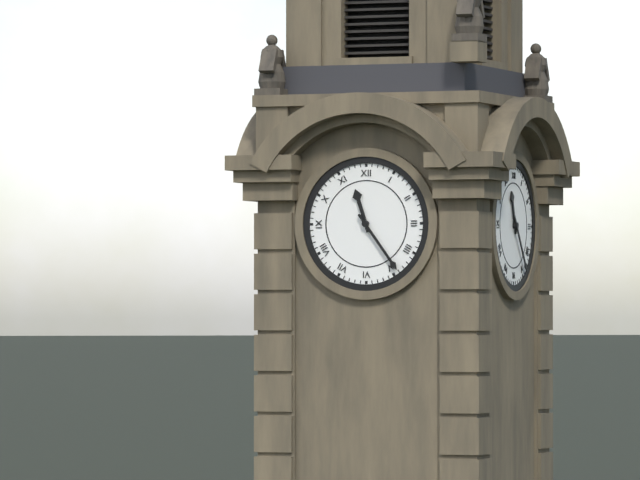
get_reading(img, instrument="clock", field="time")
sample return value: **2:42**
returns **11:24**
